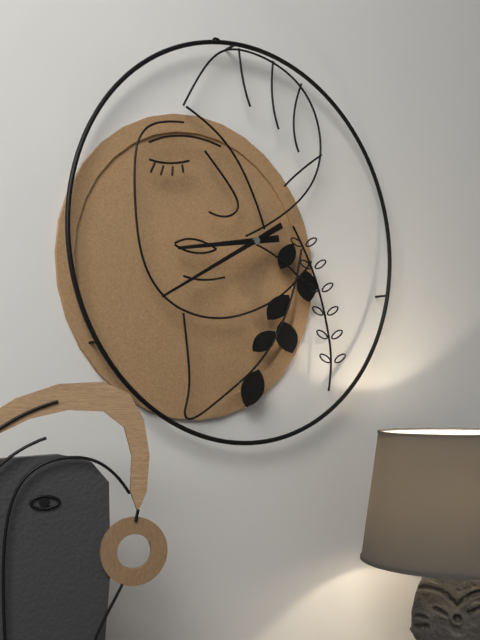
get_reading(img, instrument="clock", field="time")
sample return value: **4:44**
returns **8:40**
